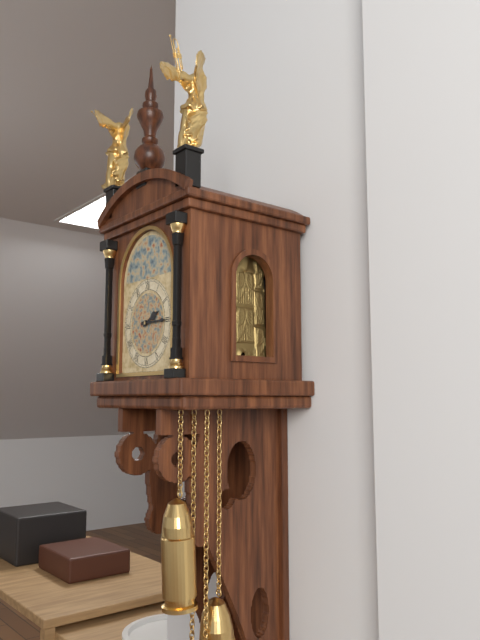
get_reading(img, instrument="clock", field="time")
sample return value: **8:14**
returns **2:15**
